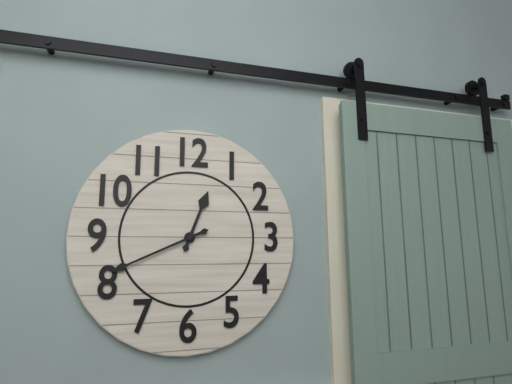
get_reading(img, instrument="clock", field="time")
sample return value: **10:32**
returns **12:41**
